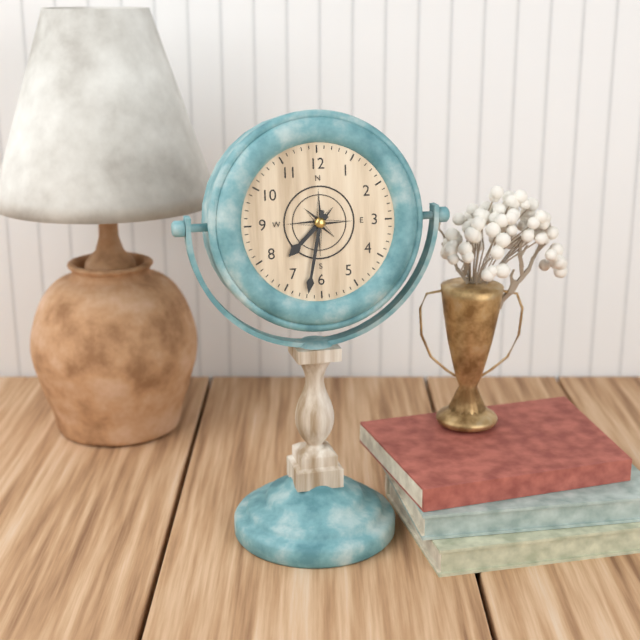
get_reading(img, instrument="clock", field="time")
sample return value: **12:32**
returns **7:32**
